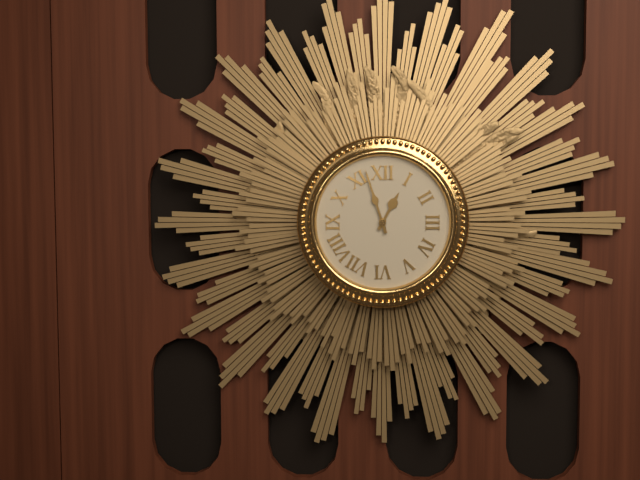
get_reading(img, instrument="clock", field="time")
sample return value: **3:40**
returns **12:57**
